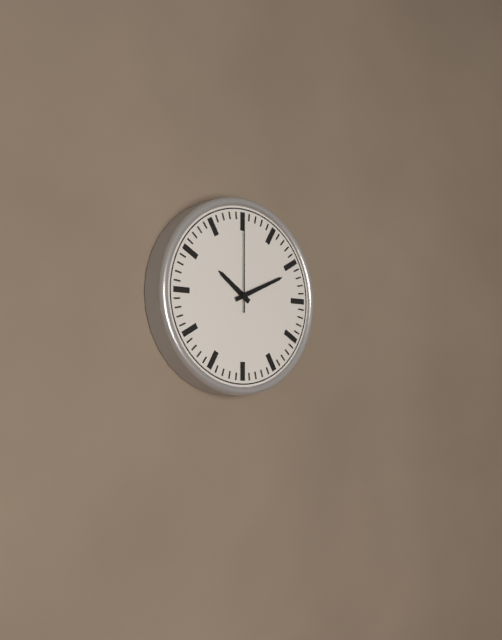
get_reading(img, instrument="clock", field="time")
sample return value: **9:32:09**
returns **10:11:00**
